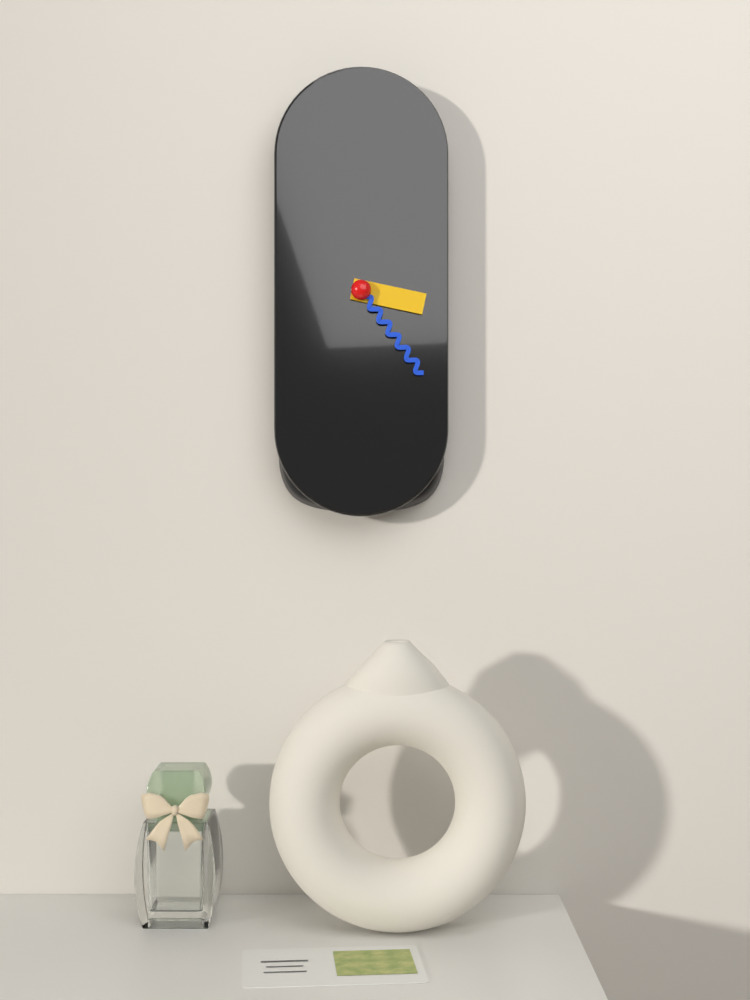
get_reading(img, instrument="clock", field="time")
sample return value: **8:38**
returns **3:24**
